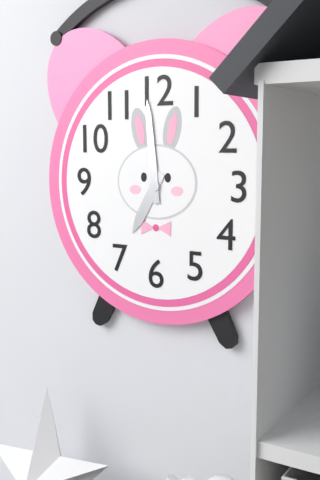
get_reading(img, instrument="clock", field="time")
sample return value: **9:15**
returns **6:59**
